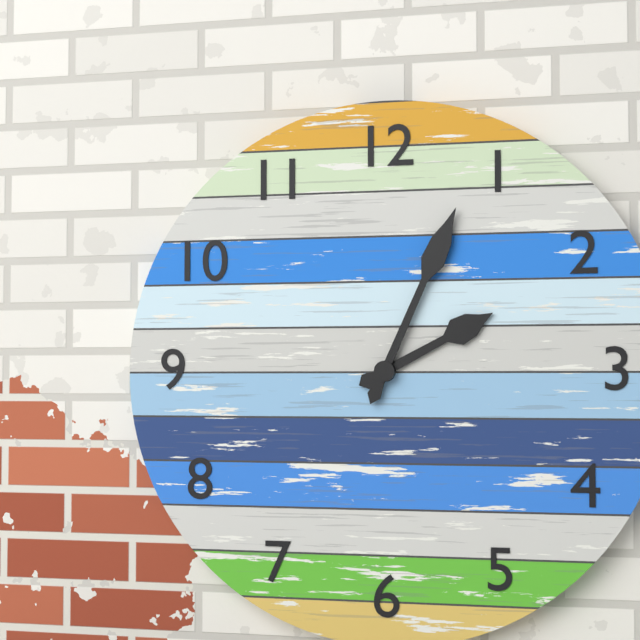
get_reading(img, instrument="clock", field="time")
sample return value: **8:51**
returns **2:04**
